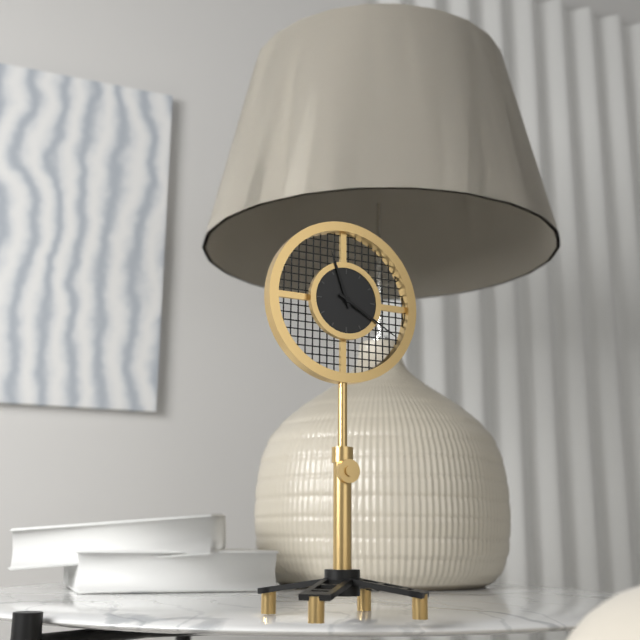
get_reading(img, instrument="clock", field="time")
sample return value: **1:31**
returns **11:20**
